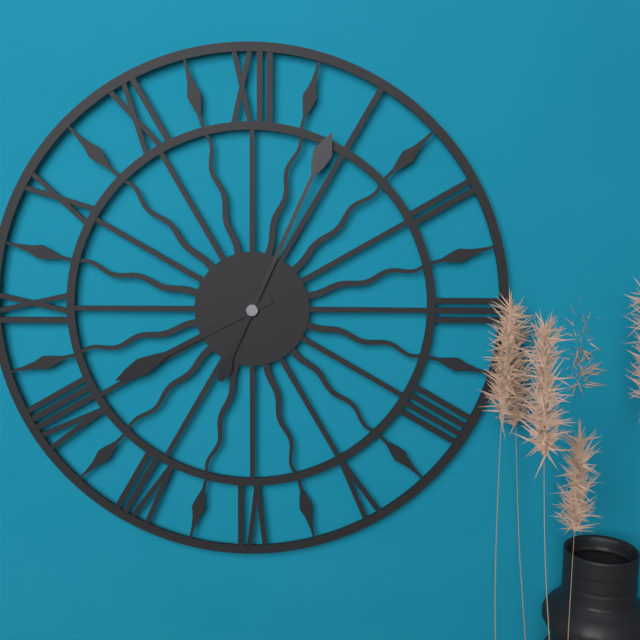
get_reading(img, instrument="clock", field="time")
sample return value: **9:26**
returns **8:04**
